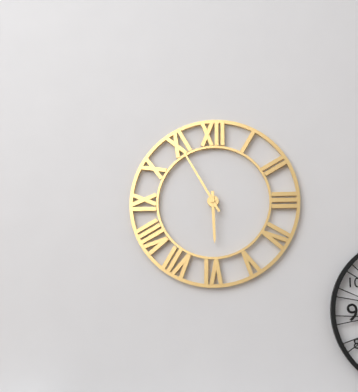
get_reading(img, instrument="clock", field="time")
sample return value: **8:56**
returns **5:55**
